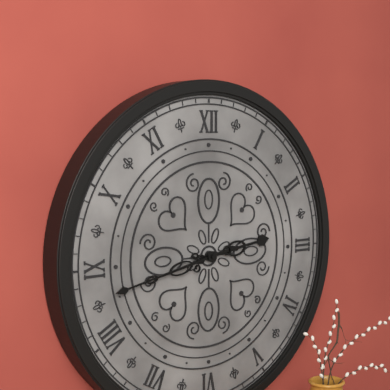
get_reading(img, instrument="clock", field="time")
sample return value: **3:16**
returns **2:43**
